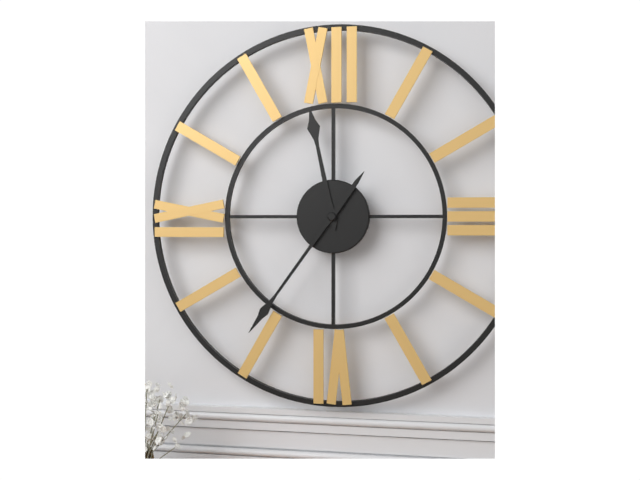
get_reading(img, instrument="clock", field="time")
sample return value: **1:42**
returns **11:36**
